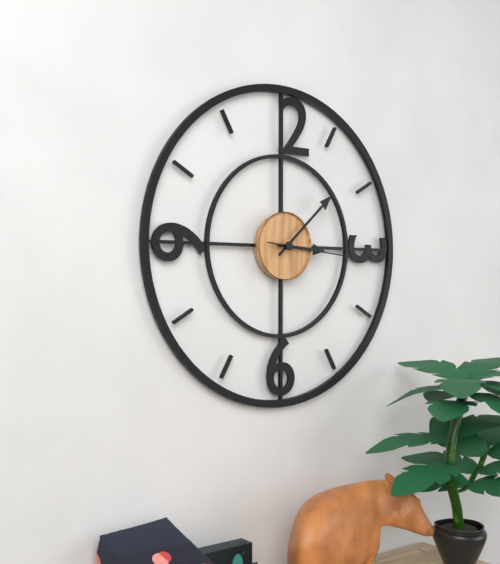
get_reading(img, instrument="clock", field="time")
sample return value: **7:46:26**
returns **3:08:16**
